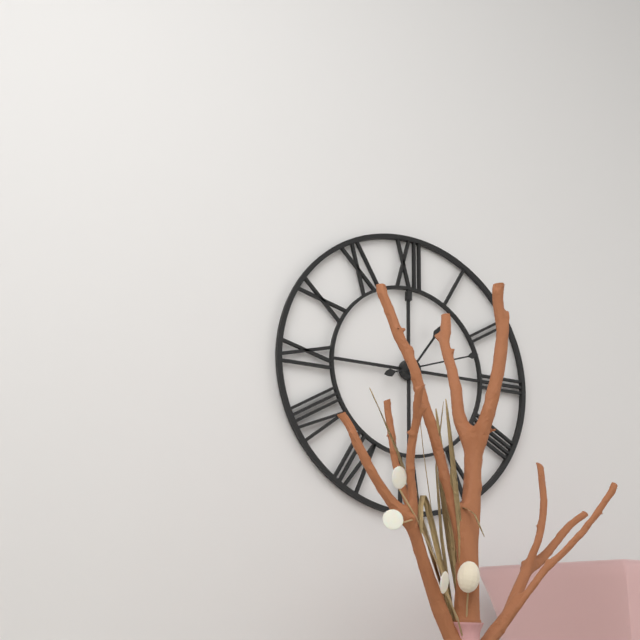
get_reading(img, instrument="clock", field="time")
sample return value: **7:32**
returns **1:12**
